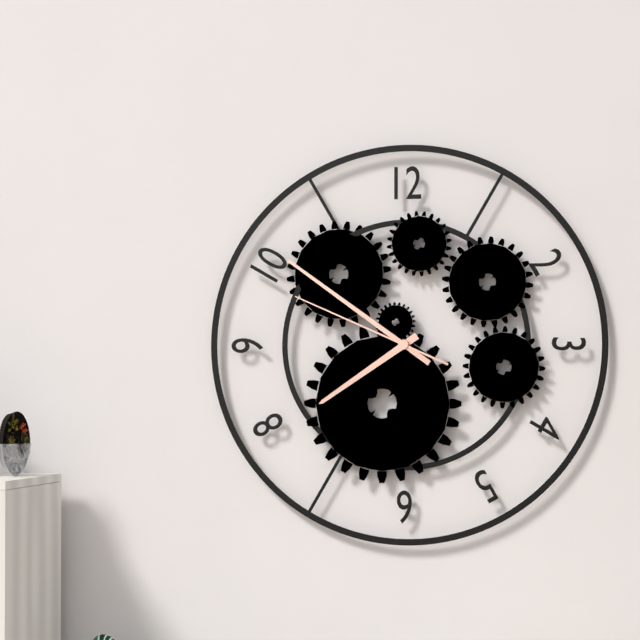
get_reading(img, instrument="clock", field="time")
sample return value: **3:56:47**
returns **7:51:49**
